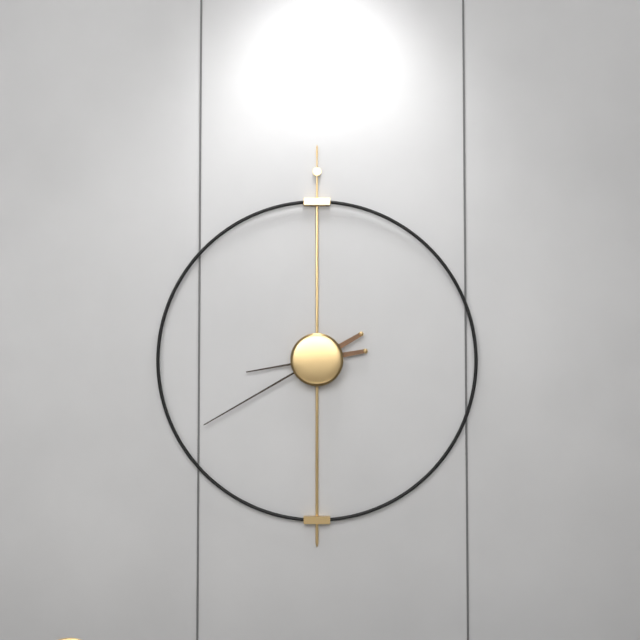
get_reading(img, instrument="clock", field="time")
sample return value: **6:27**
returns **8:40**
